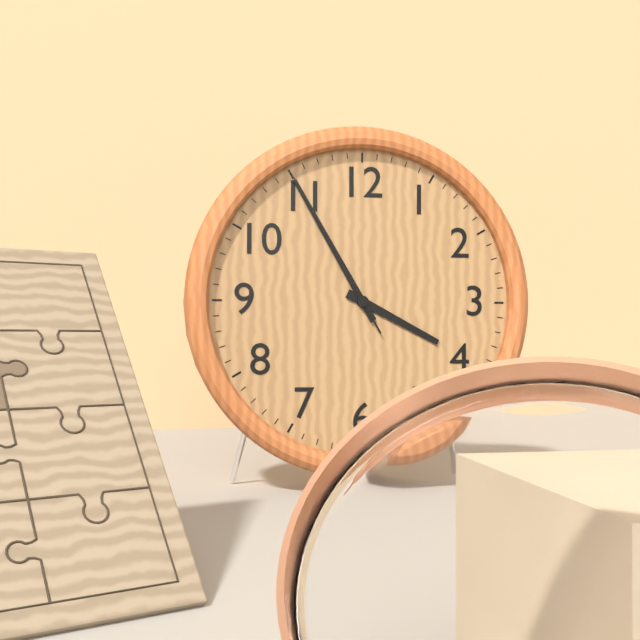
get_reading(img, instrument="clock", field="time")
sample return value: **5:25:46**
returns **3:55:55**
